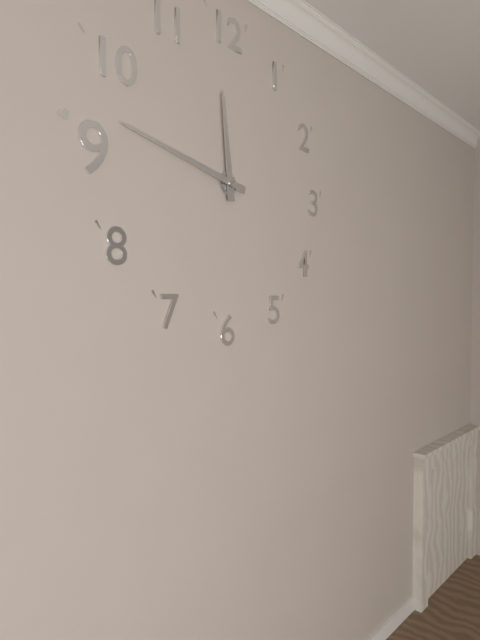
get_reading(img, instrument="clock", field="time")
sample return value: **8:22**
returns **11:47**
